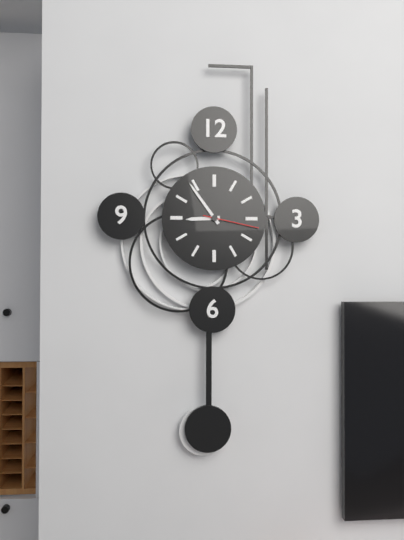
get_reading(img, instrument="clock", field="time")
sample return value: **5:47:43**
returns **8:54:17**
